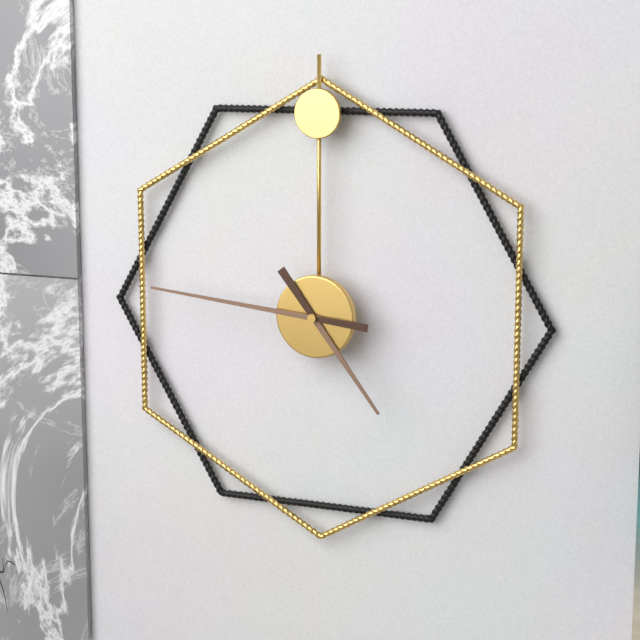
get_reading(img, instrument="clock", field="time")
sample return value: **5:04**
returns **4:46**
